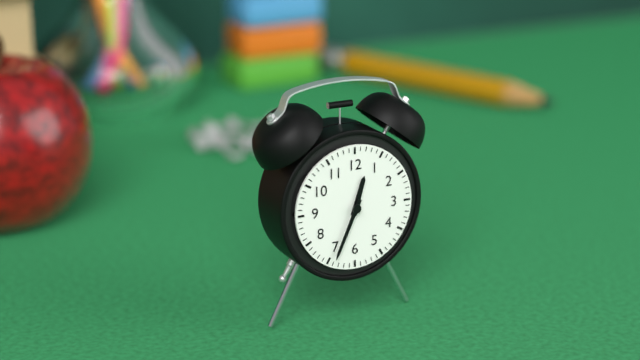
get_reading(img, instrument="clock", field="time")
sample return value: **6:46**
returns **12:34**
